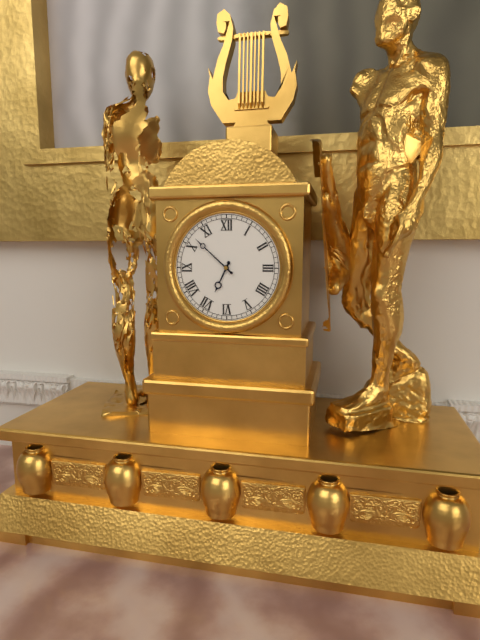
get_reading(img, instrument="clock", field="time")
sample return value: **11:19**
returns **6:52**
